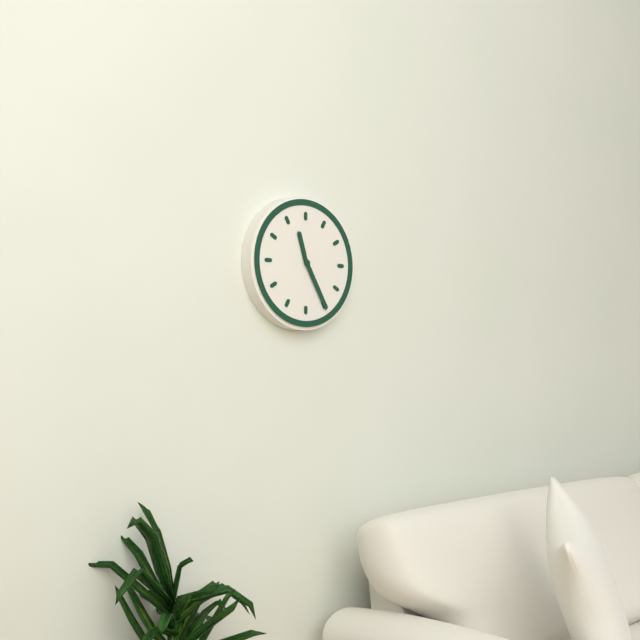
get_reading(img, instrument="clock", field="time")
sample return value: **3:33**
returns **11:25**
